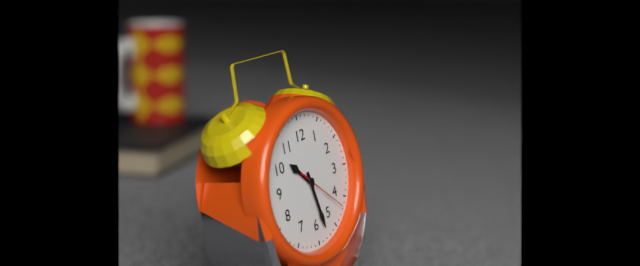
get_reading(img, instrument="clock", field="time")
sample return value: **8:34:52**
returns **10:28:22**
